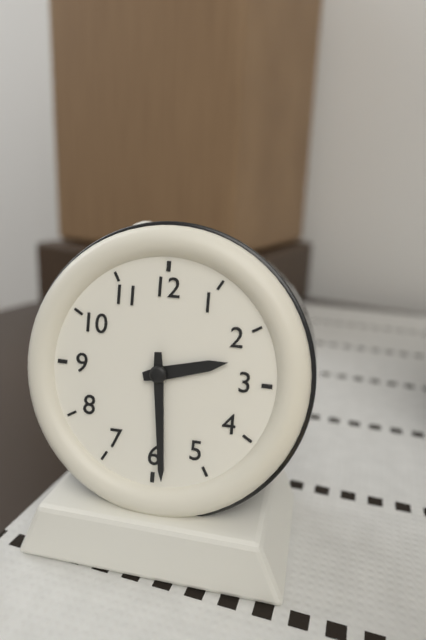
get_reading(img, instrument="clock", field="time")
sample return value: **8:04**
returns **2:29**
